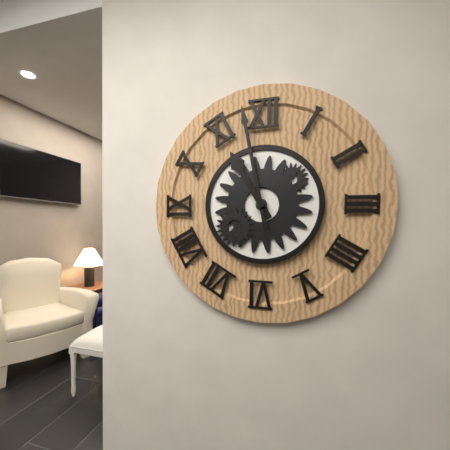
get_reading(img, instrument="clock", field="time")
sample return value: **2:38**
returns **10:58**
